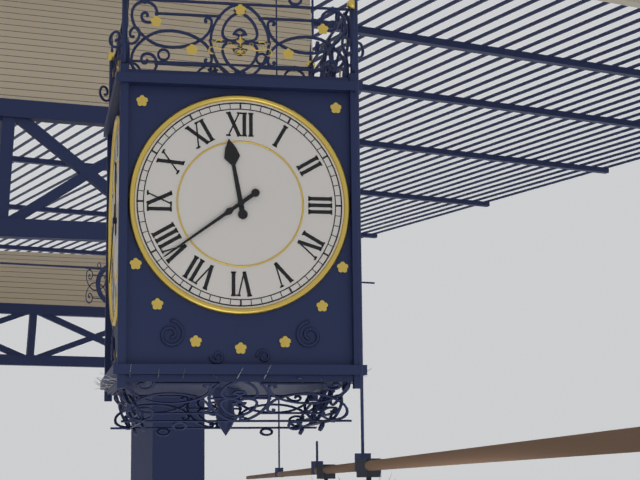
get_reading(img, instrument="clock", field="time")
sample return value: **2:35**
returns **11:39**
